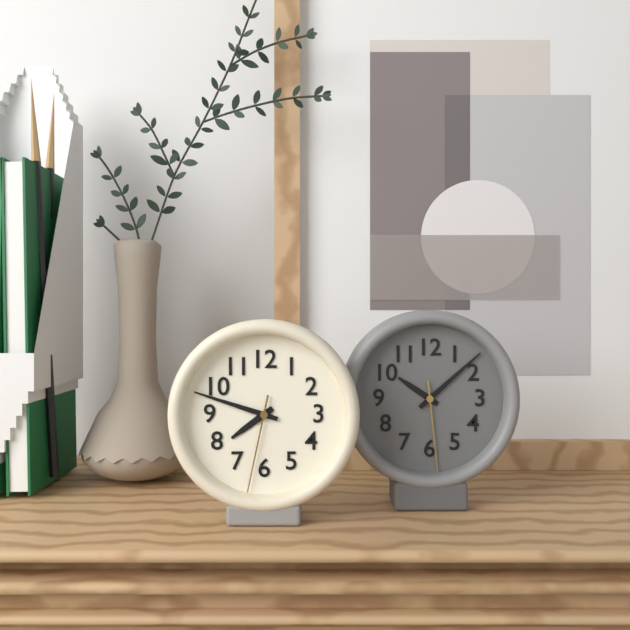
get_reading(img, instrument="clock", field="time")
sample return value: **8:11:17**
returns **7:48:32**
